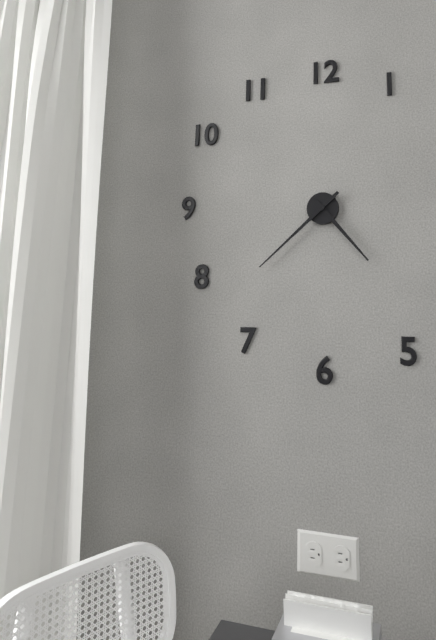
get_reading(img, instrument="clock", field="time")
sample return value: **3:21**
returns **4:38**
